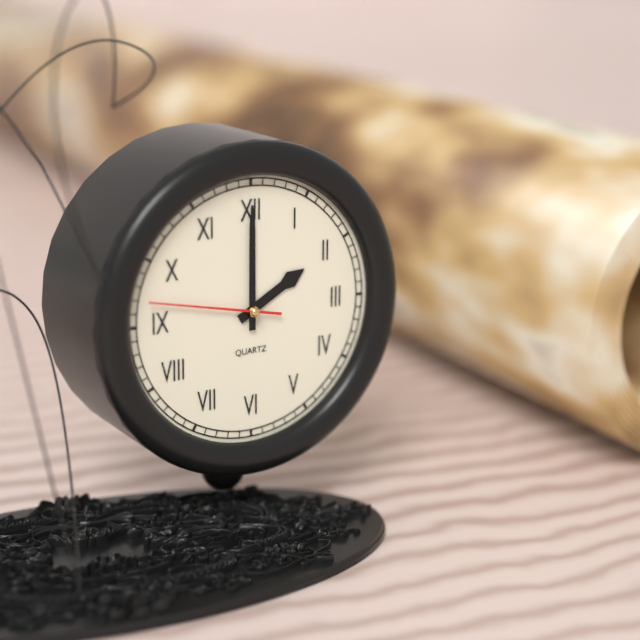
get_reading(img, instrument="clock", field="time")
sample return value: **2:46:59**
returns **2:00:47**
